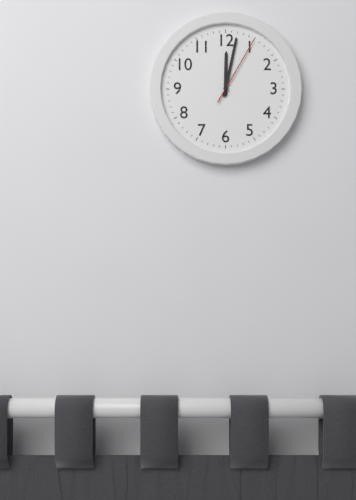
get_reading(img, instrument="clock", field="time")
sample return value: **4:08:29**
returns **12:02:05**
